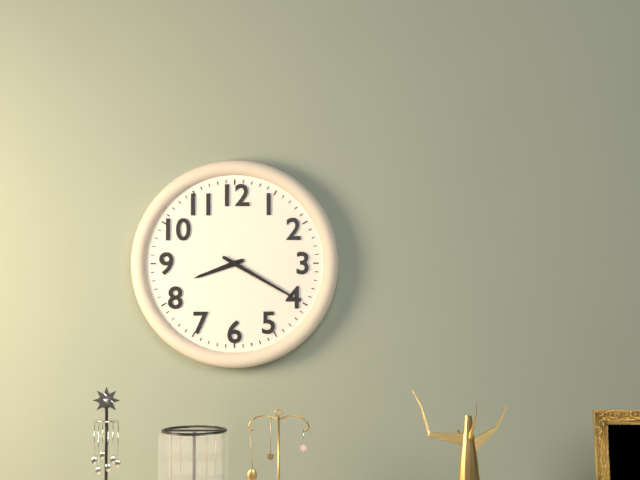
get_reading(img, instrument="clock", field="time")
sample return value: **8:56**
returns **8:20**
